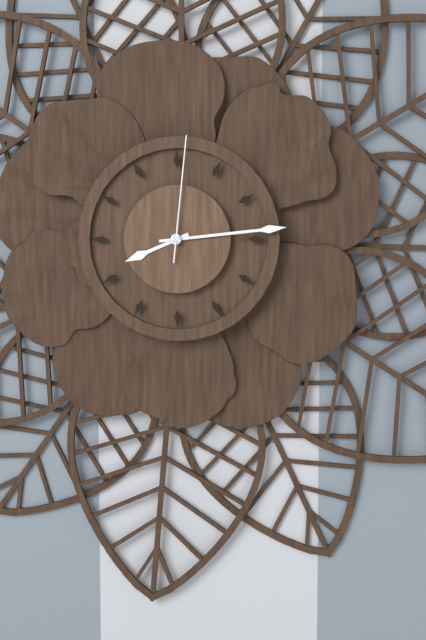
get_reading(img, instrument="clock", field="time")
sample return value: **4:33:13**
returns **8:14:01**
